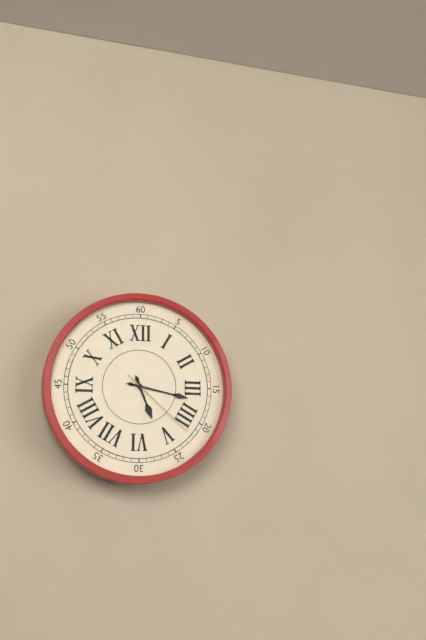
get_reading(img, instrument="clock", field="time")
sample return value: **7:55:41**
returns **5:17:22**
